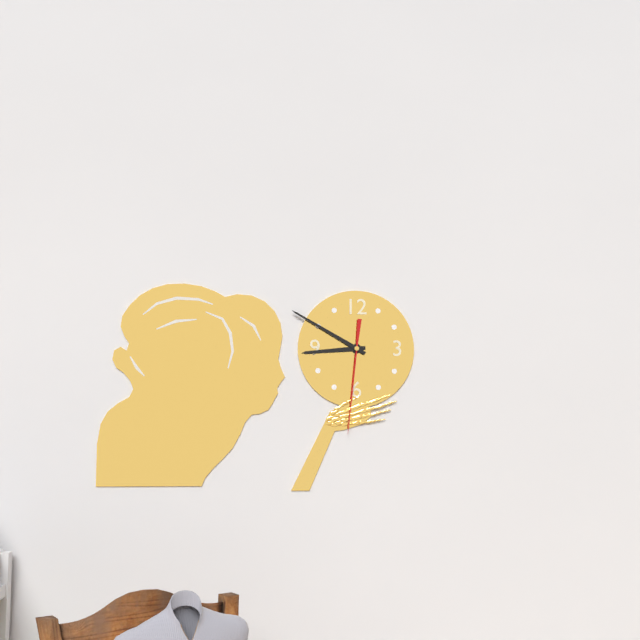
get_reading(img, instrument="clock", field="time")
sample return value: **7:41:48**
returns **8:50:31**
